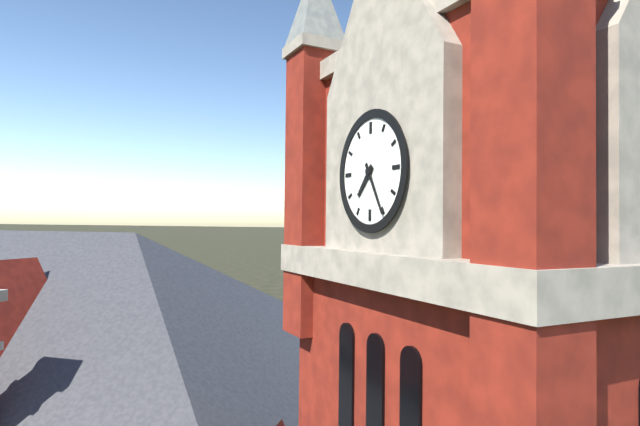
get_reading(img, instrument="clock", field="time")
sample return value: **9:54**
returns **7:25**
